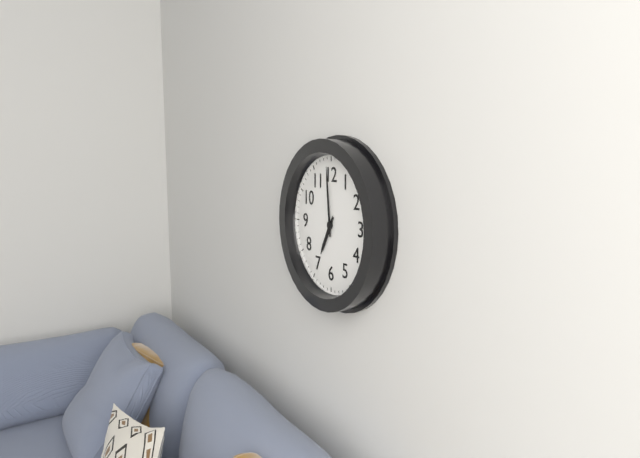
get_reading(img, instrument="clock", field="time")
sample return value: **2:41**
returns **6:59**
